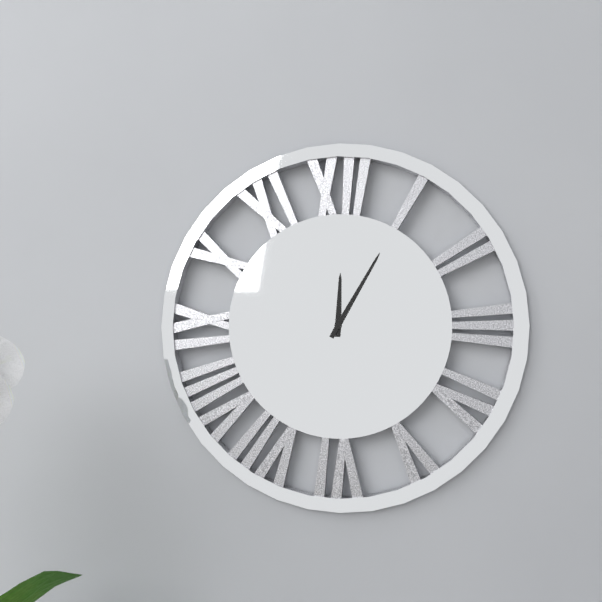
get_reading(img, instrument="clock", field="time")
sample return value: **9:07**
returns **12:05**
